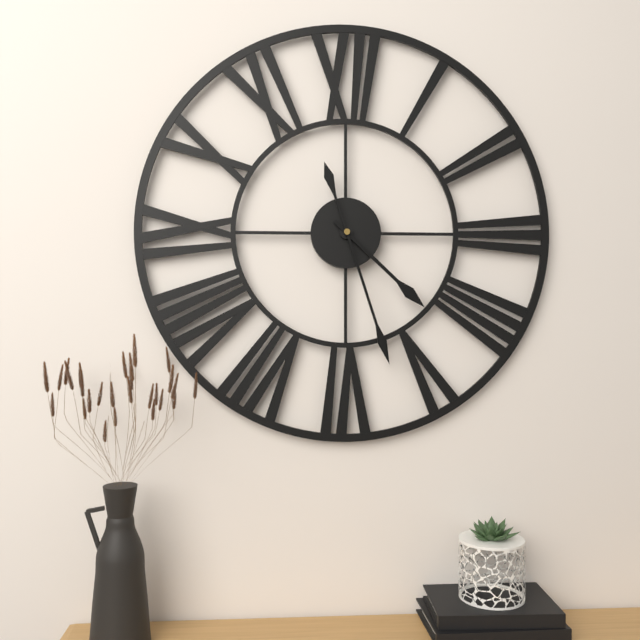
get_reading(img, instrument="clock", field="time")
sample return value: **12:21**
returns **4:27**
